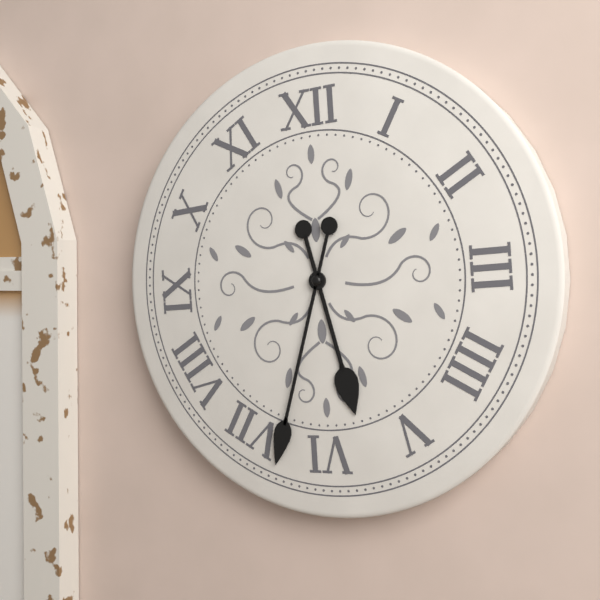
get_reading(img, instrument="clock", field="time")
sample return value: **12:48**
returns **5:33**
